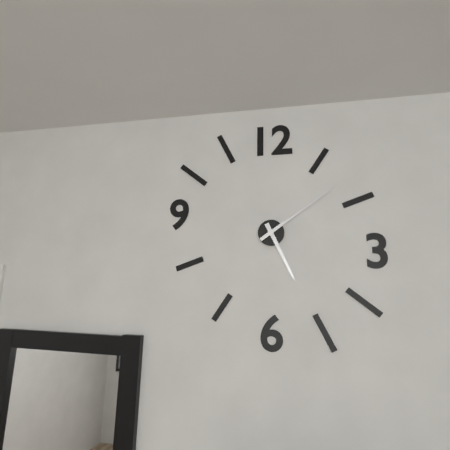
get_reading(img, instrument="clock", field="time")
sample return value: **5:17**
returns **5:09**
